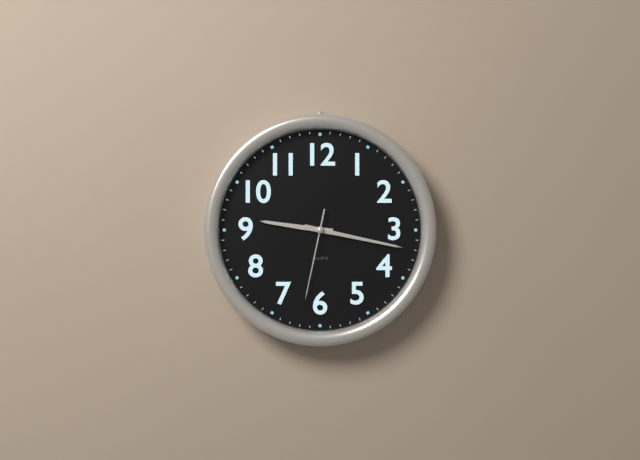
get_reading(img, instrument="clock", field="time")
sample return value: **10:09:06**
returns **9:17:32**
